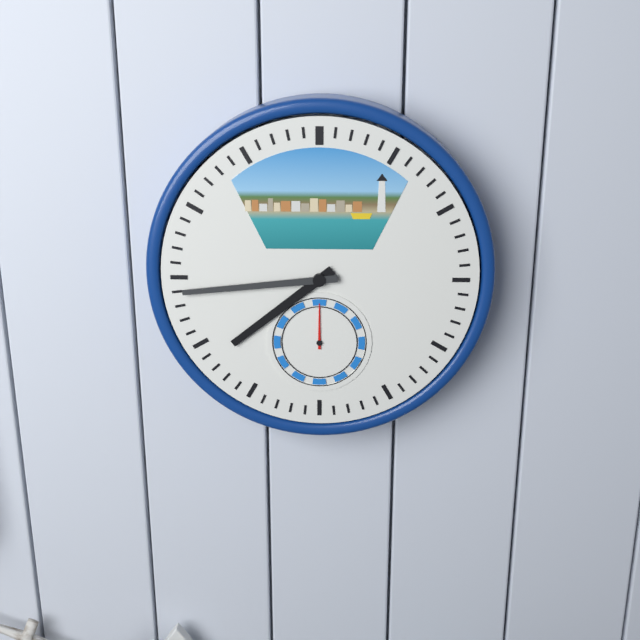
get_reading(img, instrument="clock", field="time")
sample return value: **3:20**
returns **7:44**
